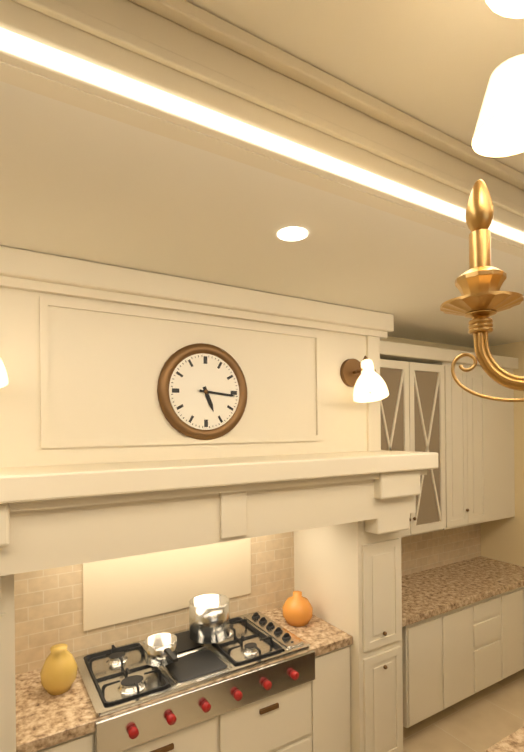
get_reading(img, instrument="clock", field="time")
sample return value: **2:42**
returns **5:16**
